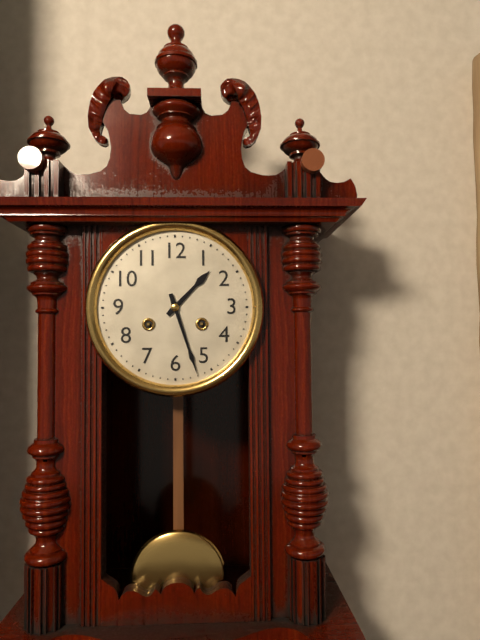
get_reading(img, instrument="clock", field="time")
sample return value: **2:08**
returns **1:27**
